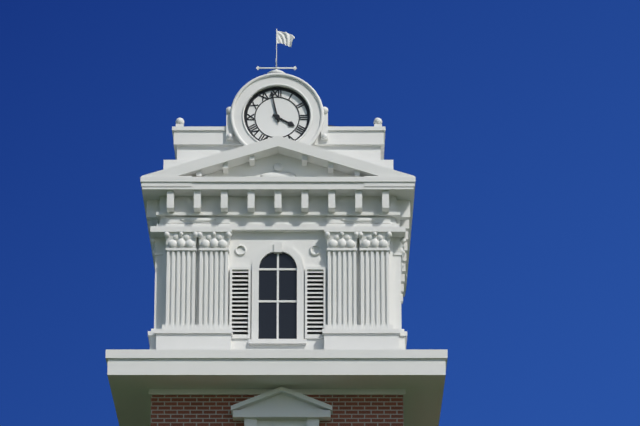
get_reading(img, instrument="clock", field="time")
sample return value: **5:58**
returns **3:58**
